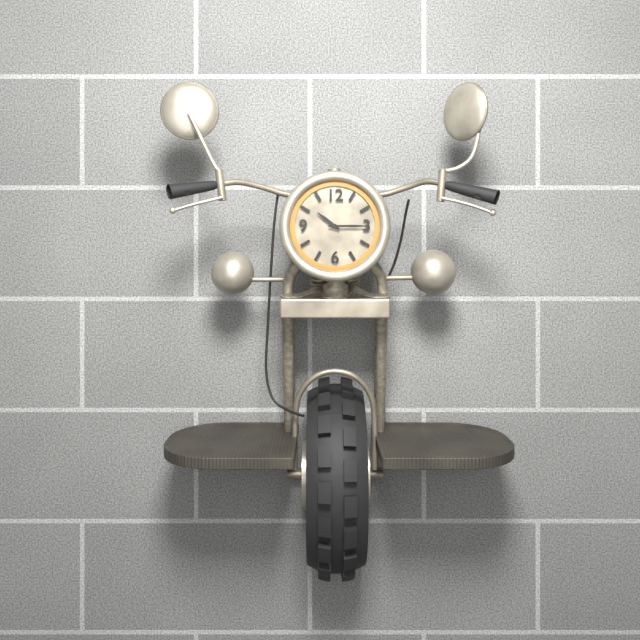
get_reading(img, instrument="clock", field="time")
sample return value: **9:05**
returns **10:15**
